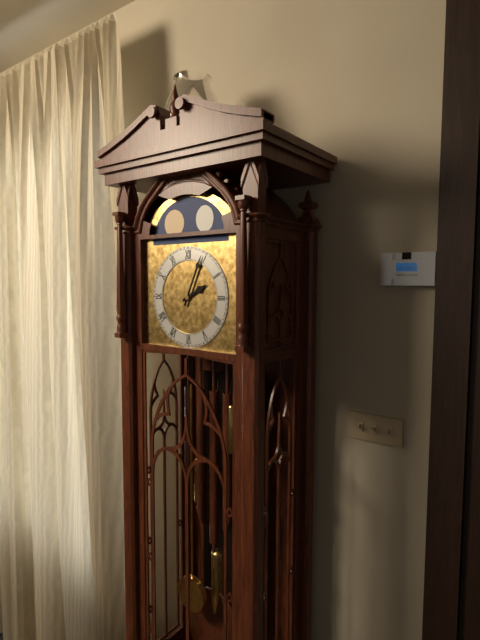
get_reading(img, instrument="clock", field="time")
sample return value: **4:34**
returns **2:04**
